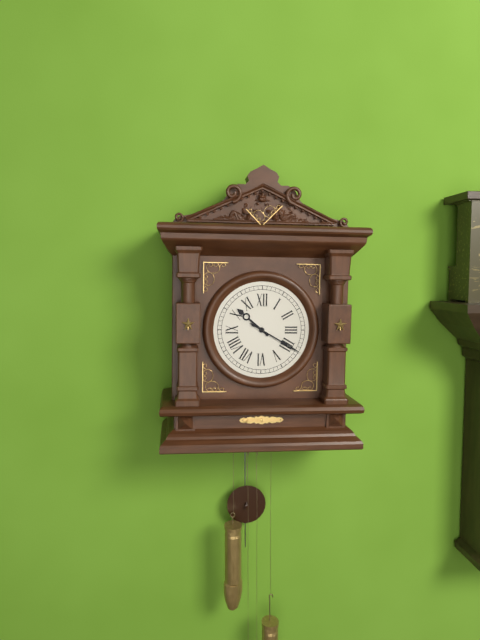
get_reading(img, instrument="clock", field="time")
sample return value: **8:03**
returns **10:20**
